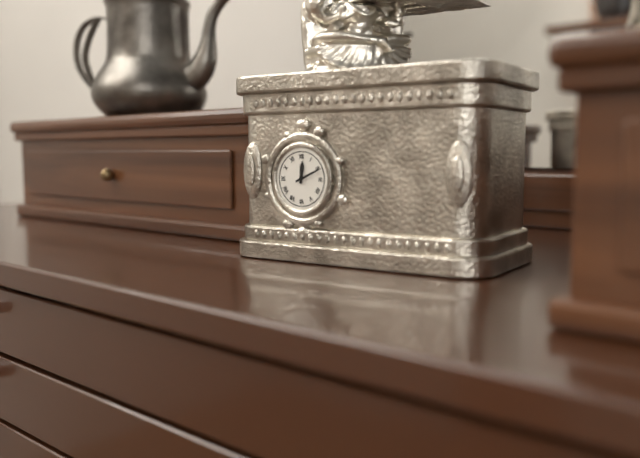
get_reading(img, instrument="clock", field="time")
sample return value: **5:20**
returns **12:11**
